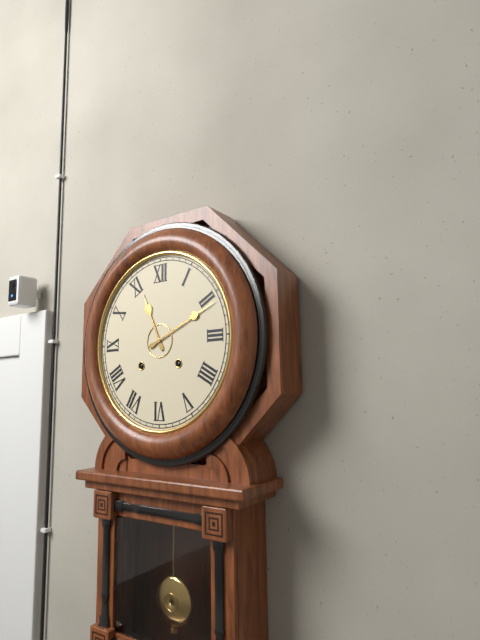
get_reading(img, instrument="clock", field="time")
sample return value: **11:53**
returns **11:11**
